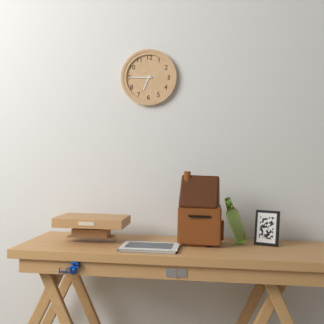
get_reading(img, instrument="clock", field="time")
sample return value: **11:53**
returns **6:45**
